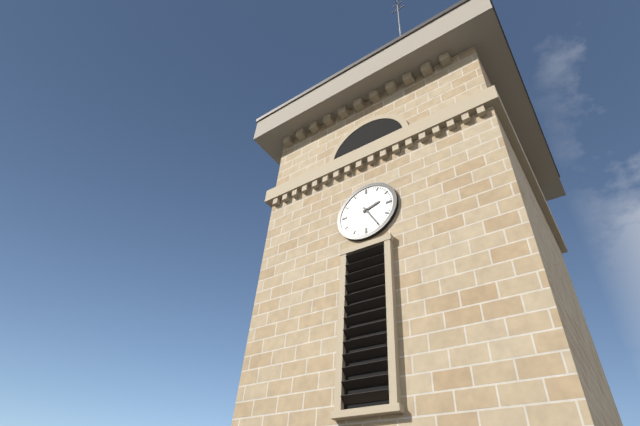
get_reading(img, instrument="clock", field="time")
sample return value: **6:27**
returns **2:25**
